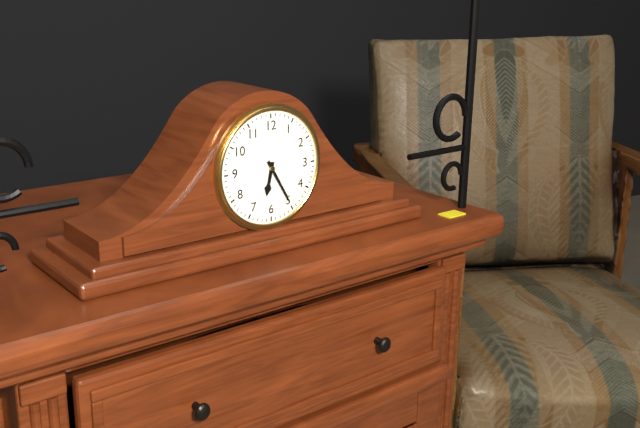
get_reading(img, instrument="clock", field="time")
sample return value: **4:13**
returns **6:25**
